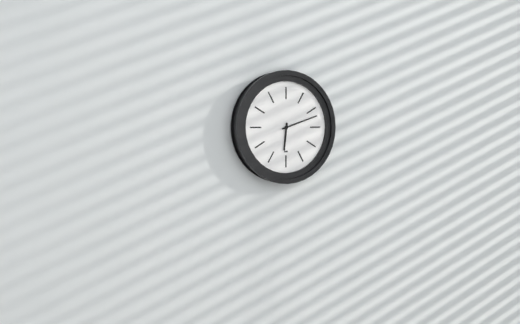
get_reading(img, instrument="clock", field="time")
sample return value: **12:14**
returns **6:12**
